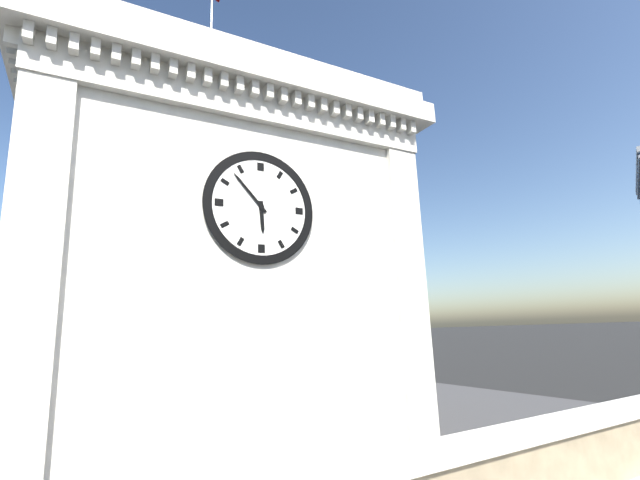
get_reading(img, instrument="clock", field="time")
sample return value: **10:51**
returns **5:53**
